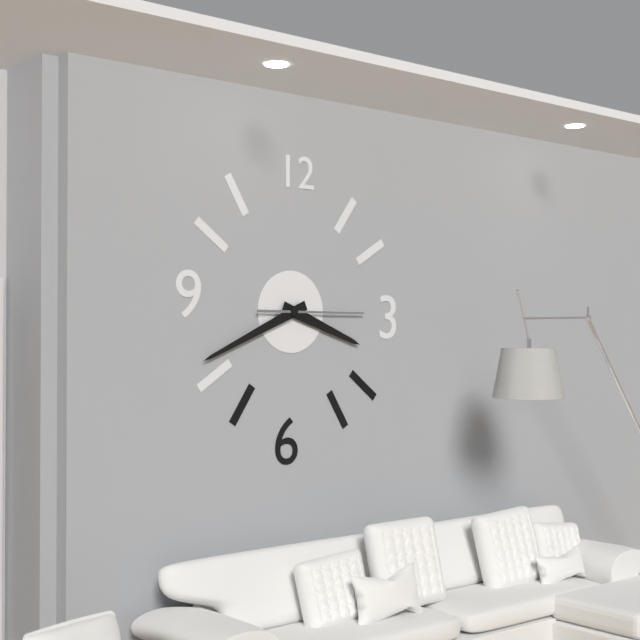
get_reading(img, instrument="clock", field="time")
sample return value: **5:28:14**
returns **3:41:15**
